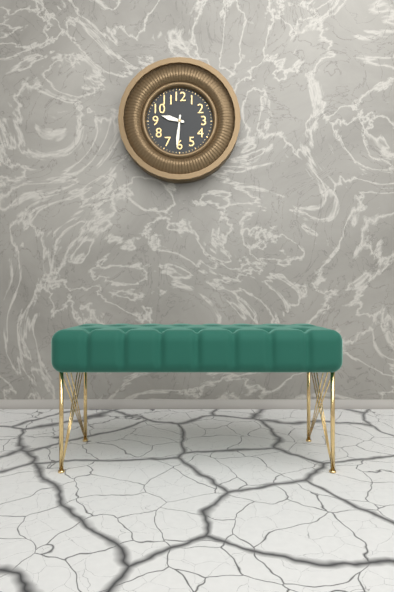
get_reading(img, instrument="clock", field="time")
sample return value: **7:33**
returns **9:31**
